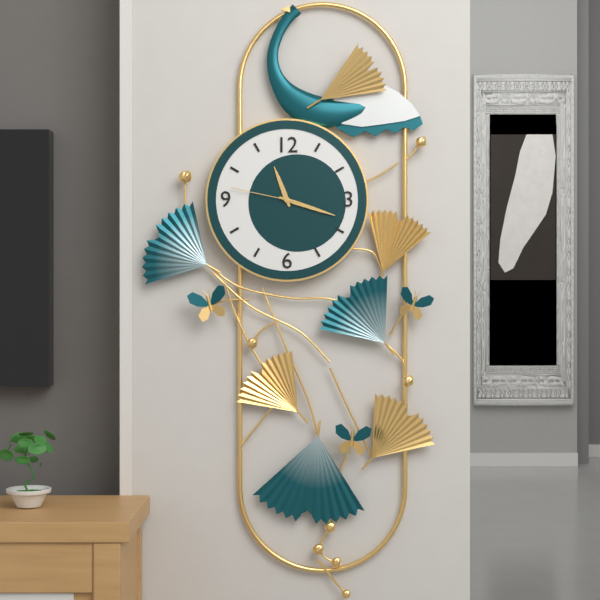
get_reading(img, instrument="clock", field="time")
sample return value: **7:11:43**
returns **11:18:47**
